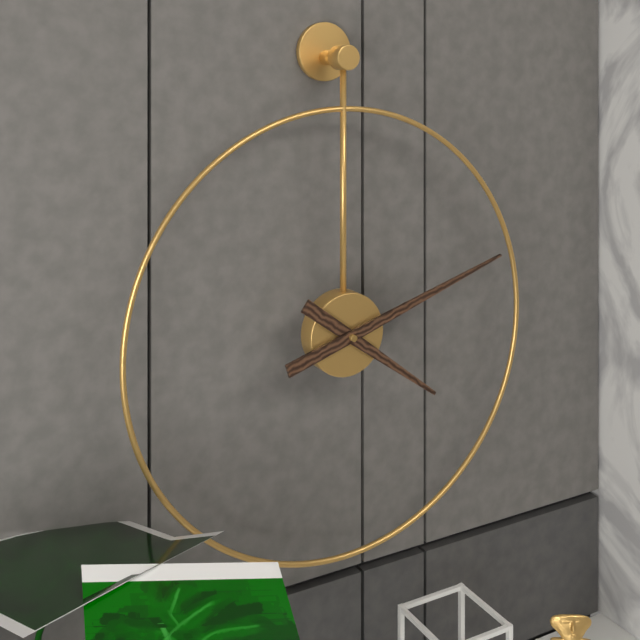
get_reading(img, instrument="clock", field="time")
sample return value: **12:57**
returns **4:12**
